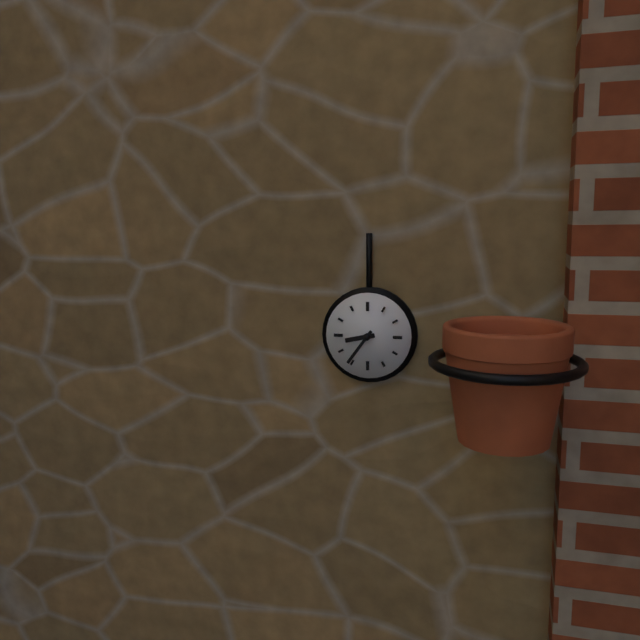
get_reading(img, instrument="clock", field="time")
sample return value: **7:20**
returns **8:36**
